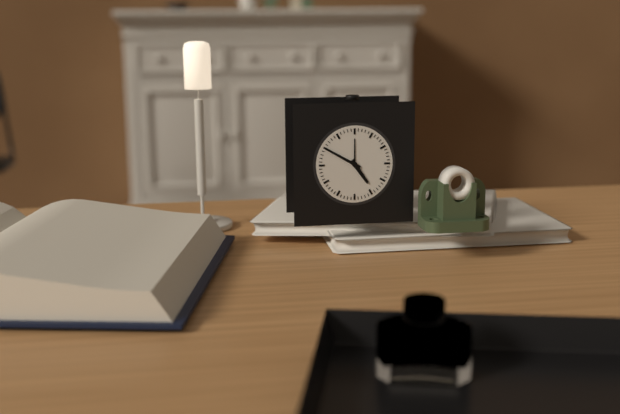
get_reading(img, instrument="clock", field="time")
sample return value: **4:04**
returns **4:50**
